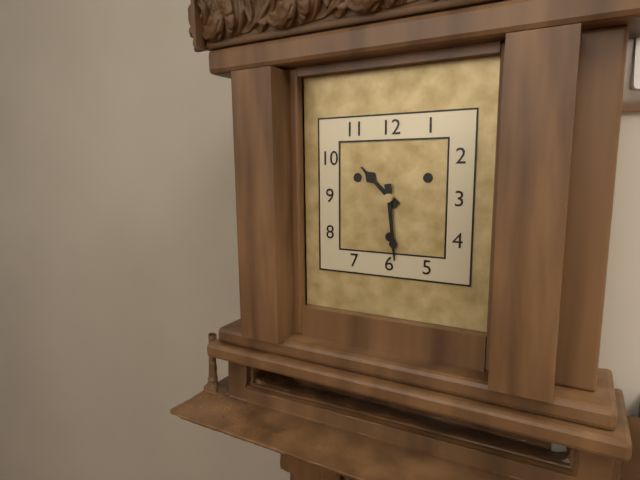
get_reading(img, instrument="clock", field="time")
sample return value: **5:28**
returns **10:29**
